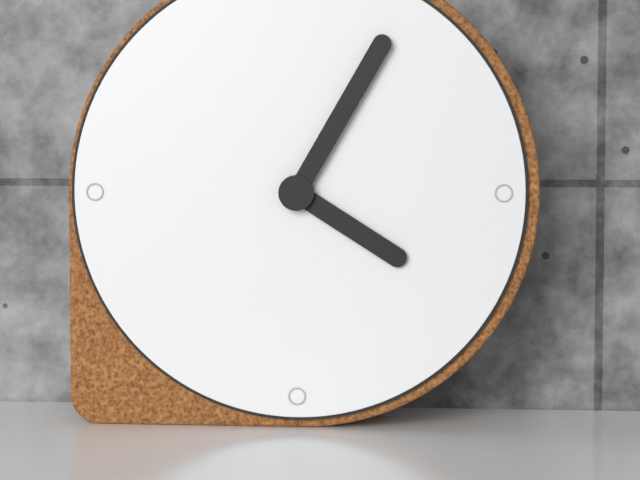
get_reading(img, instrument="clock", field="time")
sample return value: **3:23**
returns **4:05**
